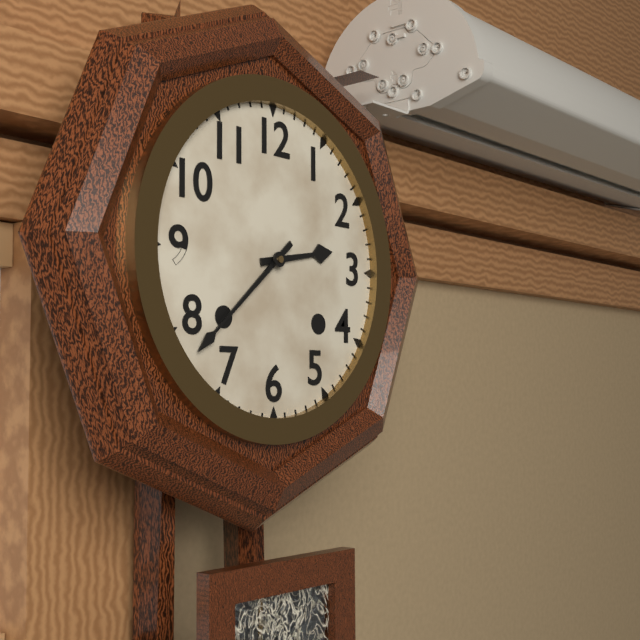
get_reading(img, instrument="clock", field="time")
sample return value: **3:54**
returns **2:38**
